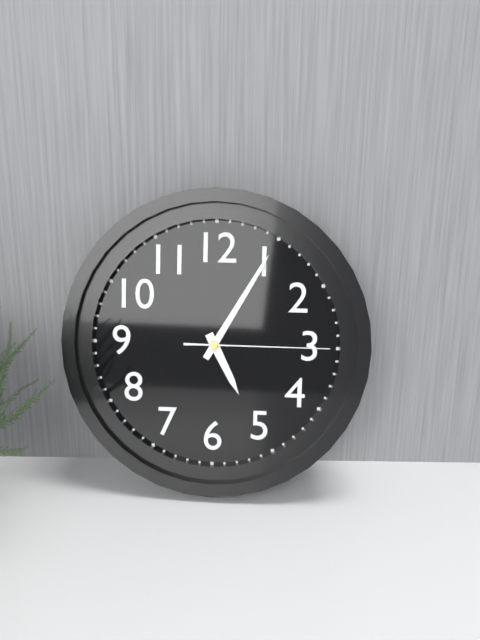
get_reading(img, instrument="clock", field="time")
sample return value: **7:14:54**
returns **5:05:15**
